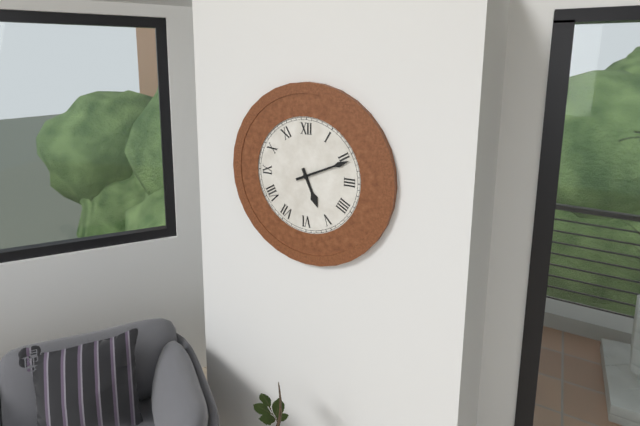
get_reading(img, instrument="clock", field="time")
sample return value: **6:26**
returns **5:11**
